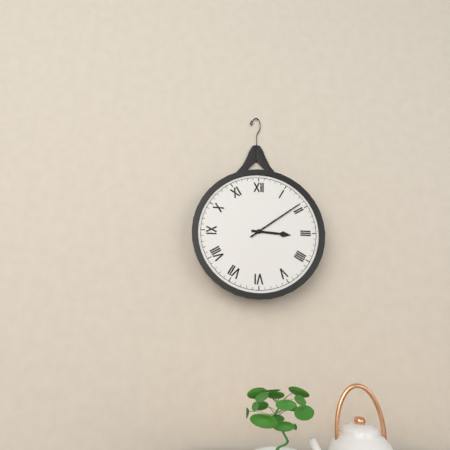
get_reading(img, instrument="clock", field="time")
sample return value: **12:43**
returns **3:09**
